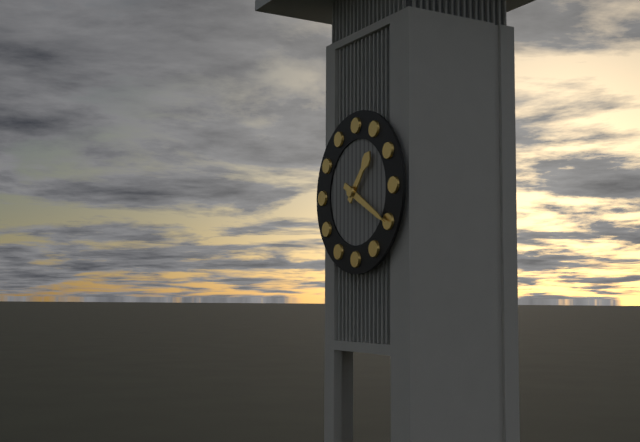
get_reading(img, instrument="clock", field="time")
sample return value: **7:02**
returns **1:20**
